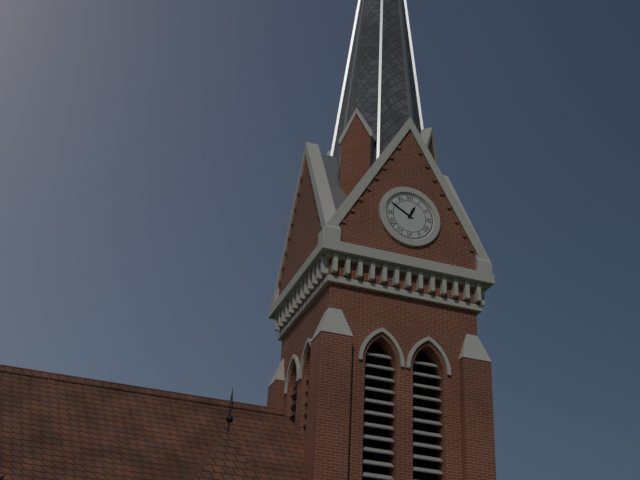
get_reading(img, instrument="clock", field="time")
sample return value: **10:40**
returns **12:50**
